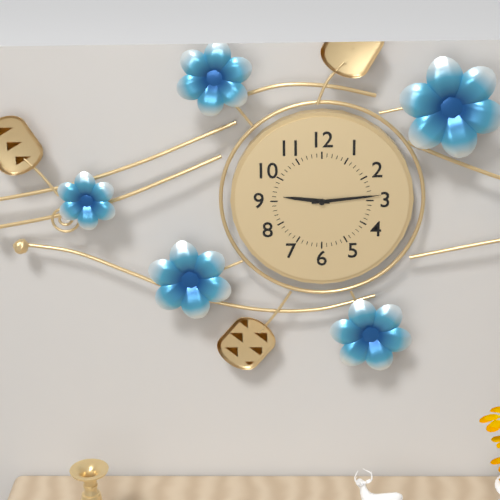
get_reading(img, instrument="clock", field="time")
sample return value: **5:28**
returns **9:14**
